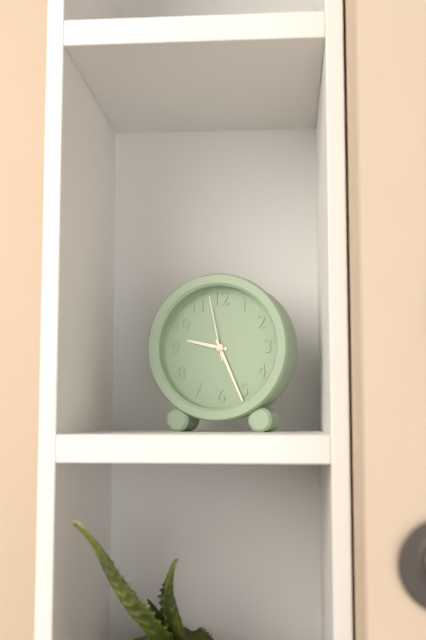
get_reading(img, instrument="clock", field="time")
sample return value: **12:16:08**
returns **9:26:58**
